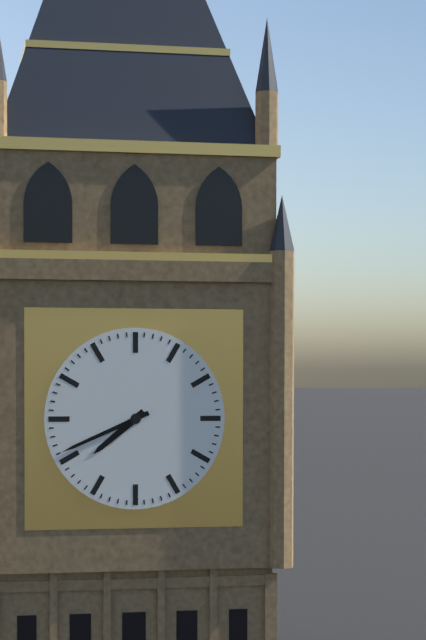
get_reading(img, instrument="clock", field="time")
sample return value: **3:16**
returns **7:41**
